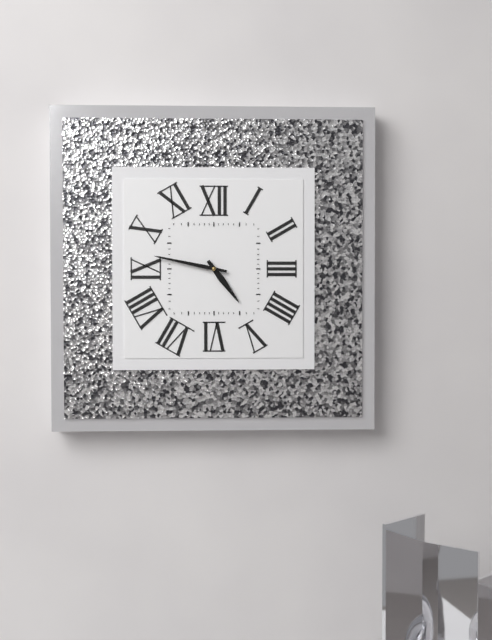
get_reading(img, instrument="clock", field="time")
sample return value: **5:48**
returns **4:47**
